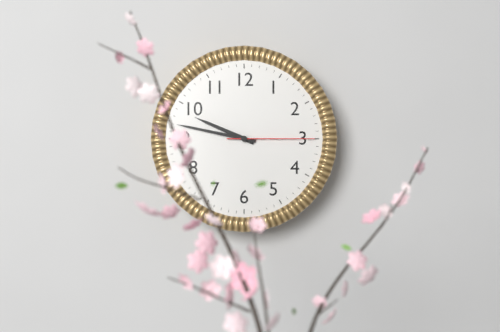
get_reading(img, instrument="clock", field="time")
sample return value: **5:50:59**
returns **9:47:15**
